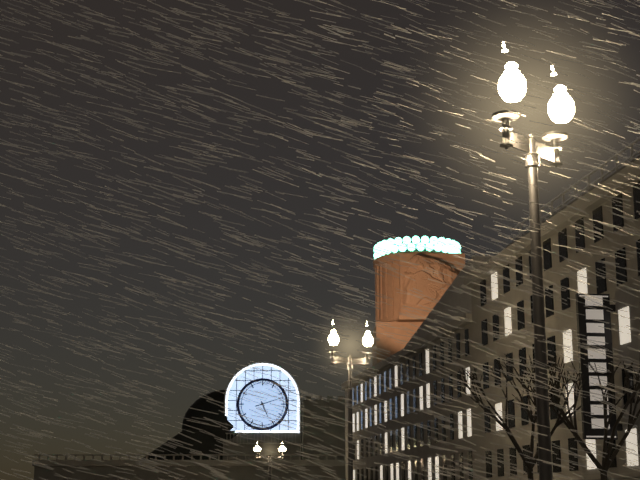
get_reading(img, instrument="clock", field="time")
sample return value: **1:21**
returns **5:12**
